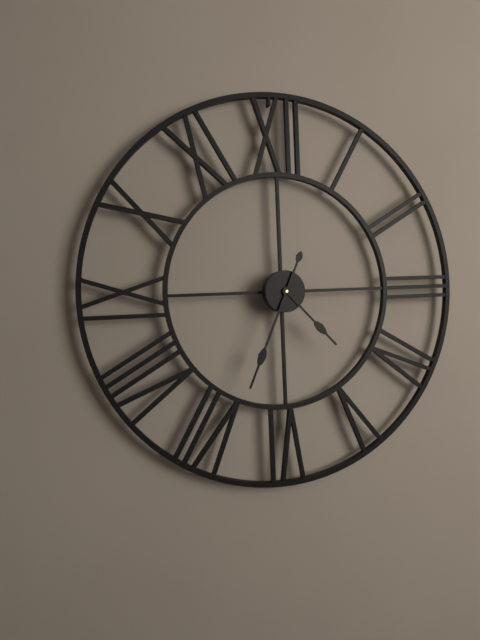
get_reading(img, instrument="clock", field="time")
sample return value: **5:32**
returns **4:34**
